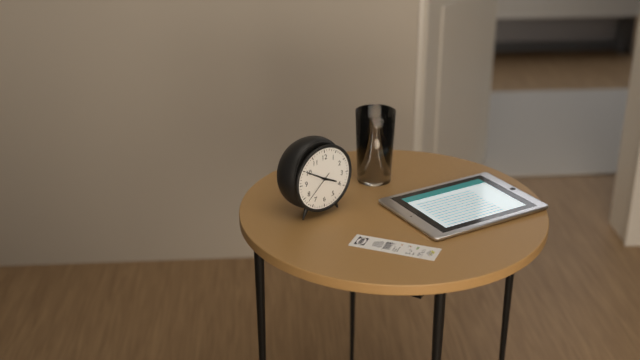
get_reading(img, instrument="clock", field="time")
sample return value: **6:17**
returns **3:50**
